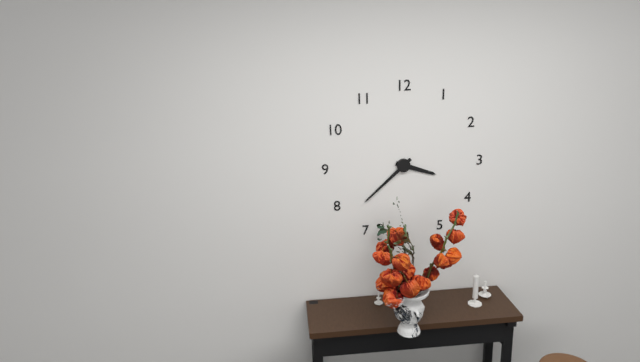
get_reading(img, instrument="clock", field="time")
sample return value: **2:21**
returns **3:38**
